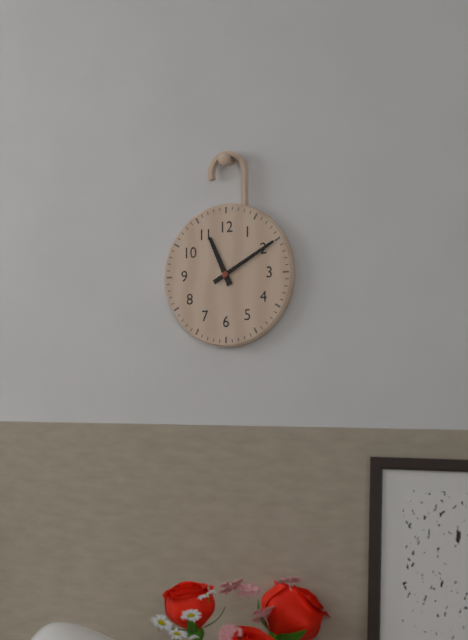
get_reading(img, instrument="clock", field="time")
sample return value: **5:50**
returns **11:10**
